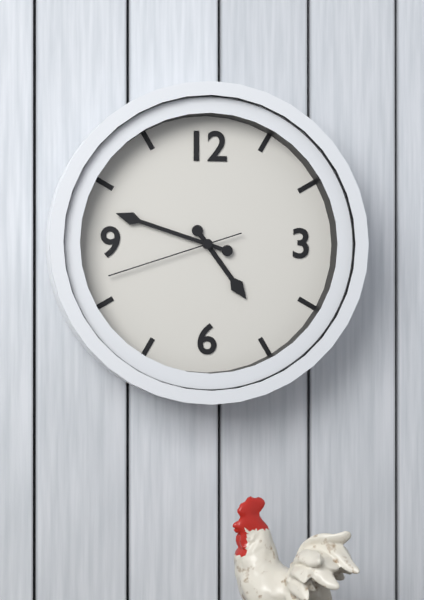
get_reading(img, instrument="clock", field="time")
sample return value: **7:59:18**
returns **4:48:42**
